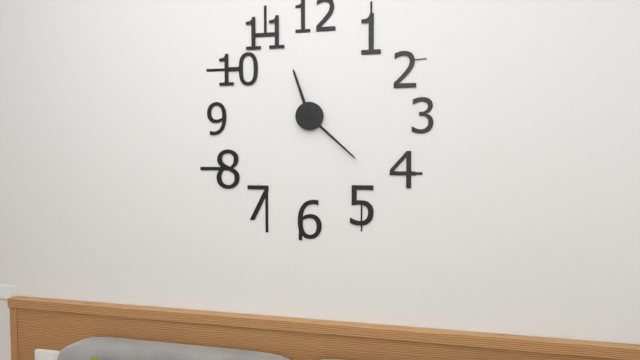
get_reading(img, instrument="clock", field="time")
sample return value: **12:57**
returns **11:22**
